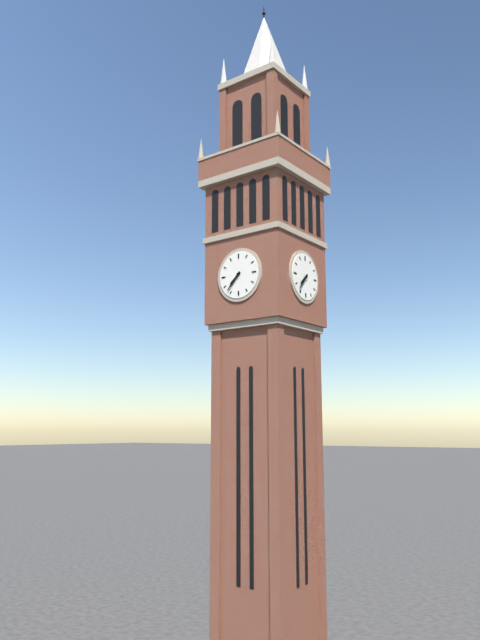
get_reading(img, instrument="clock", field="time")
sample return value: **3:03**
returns **7:37**
